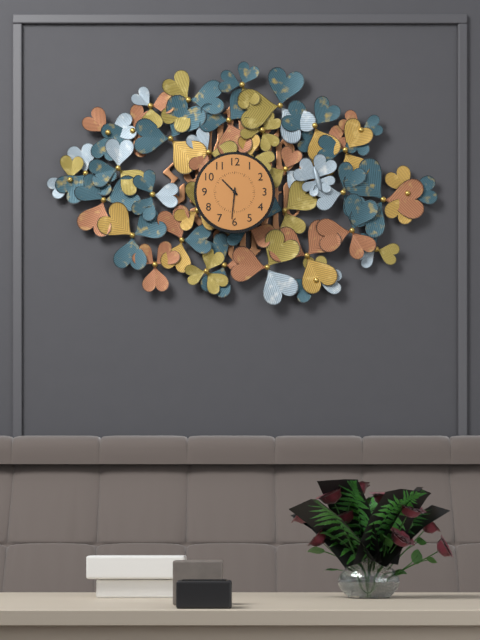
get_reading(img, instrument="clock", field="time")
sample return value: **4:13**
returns **10:31**
